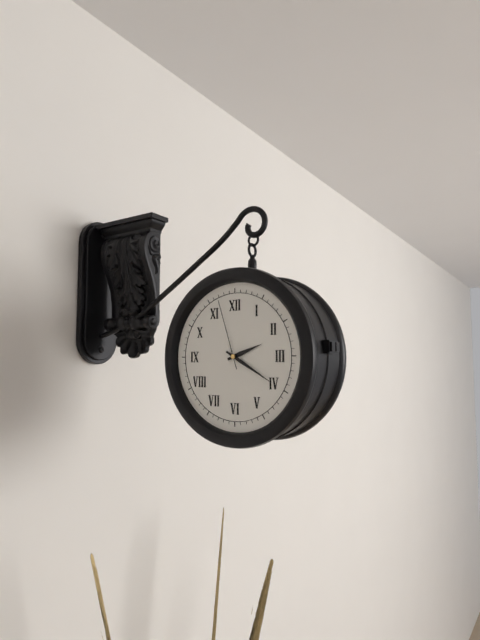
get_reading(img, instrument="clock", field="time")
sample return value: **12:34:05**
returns **2:20:57**
